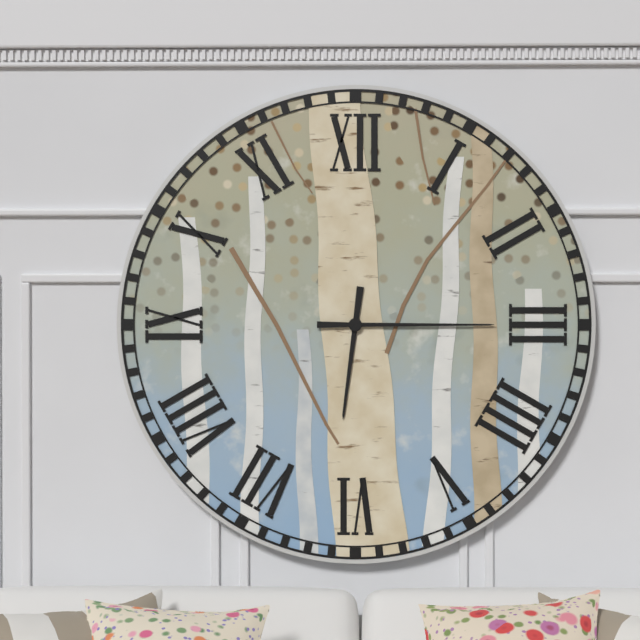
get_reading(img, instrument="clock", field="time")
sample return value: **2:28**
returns **6:15**
